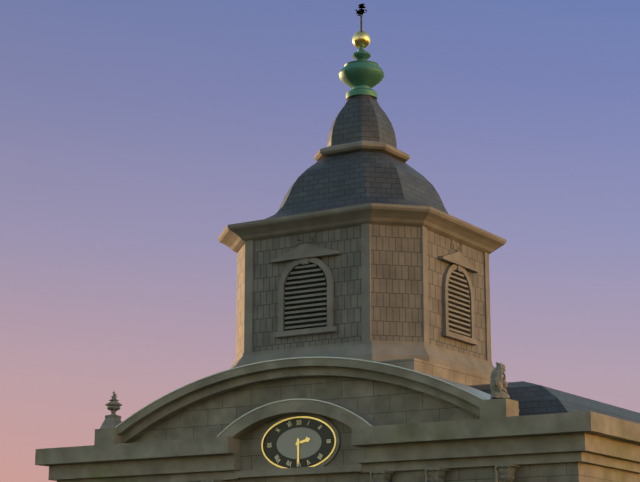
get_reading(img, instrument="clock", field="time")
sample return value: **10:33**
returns **2:30**
